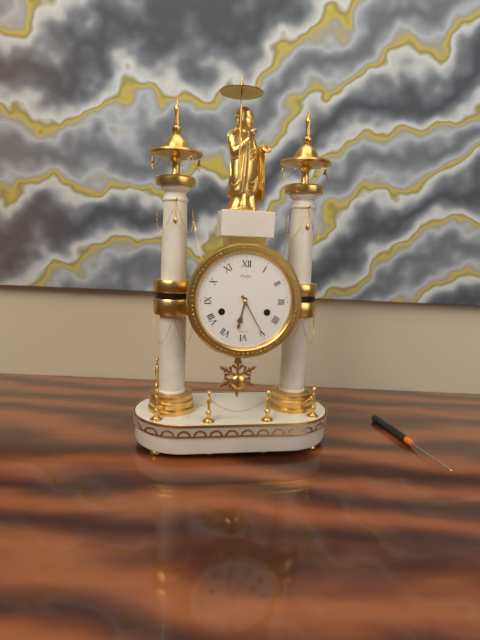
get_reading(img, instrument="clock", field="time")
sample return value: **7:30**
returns **6:25**
